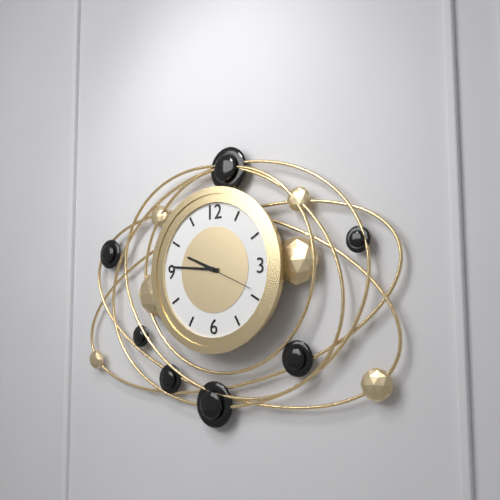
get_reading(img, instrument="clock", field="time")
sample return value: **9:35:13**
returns **9:46:19**
